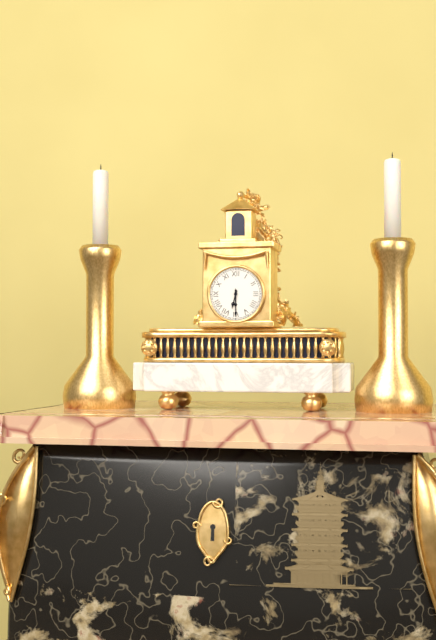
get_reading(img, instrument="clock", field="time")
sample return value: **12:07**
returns **6:30**
